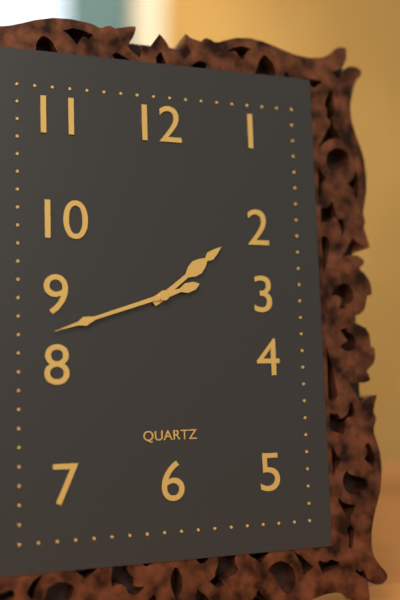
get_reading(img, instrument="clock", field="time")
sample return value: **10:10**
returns **1:42**
